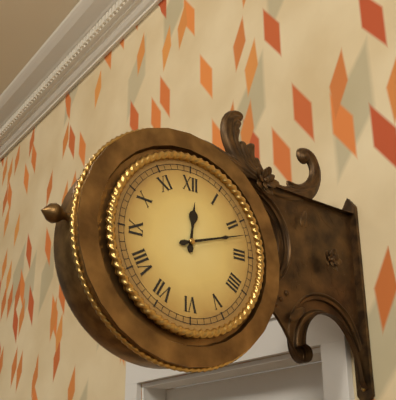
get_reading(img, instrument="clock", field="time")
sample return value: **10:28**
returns **12:12**
